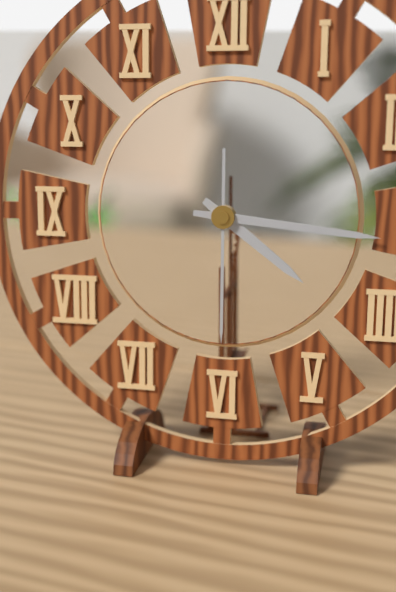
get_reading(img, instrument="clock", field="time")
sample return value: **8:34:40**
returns **4:16:30**
